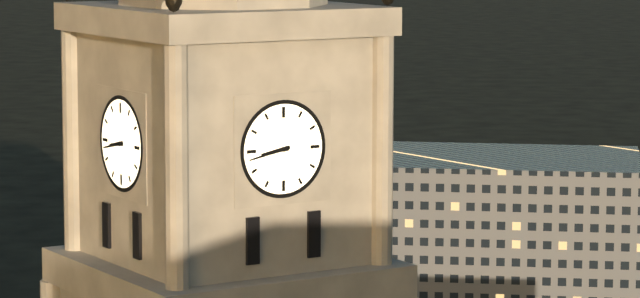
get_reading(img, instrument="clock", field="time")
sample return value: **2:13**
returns **8:43**
